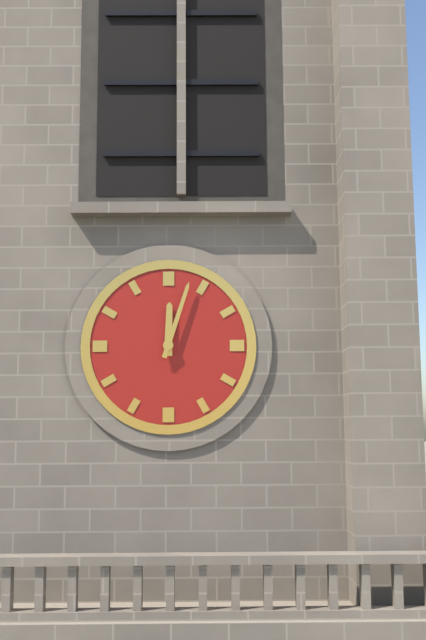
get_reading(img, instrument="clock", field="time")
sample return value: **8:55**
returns **12:03**
